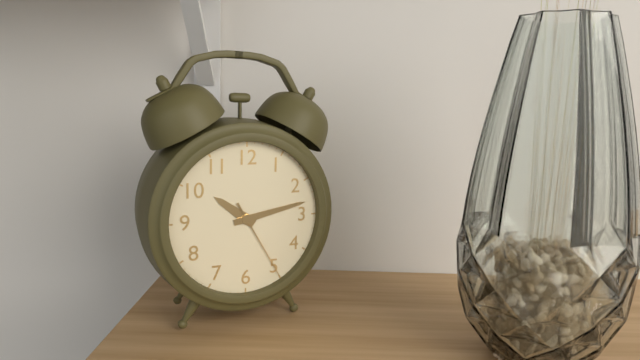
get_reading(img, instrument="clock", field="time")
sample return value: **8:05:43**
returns **10:13:25**
